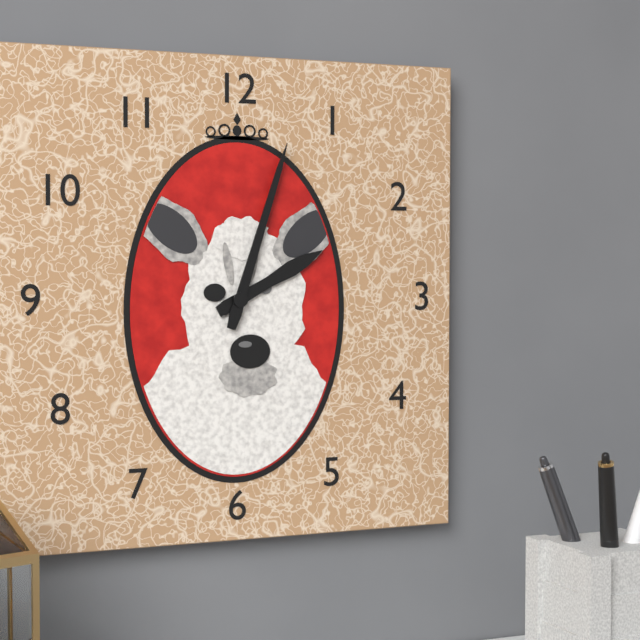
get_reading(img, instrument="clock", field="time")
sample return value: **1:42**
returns **2:03**
